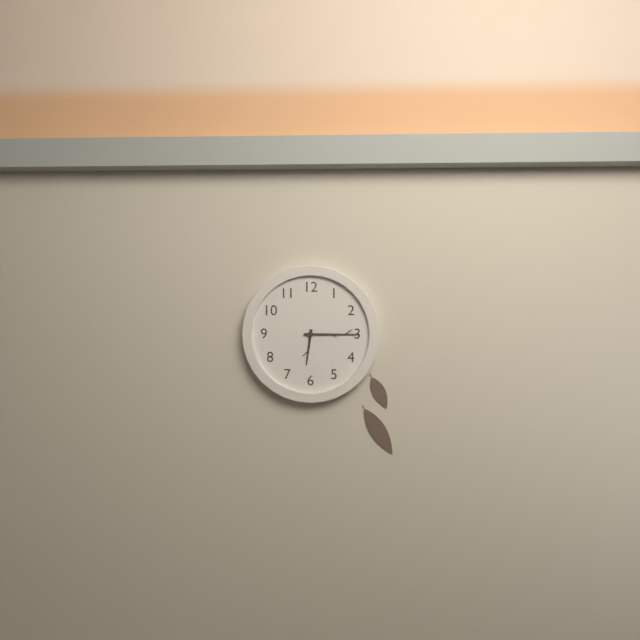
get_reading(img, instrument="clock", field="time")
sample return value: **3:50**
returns **6:15**
